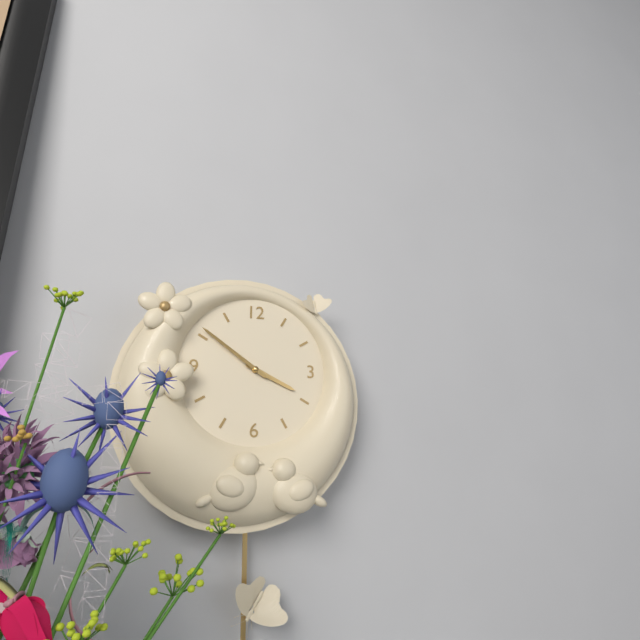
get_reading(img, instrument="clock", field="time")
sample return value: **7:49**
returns **3:51**
